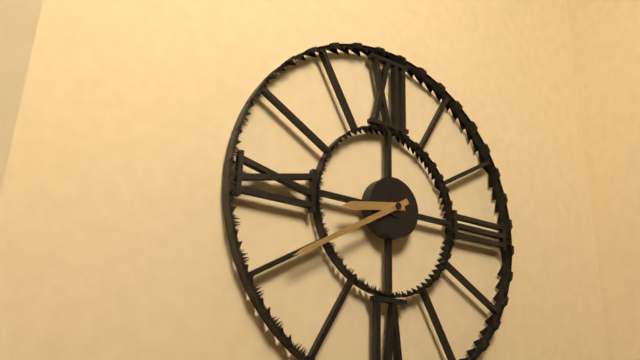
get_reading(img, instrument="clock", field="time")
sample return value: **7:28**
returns **8:40**
